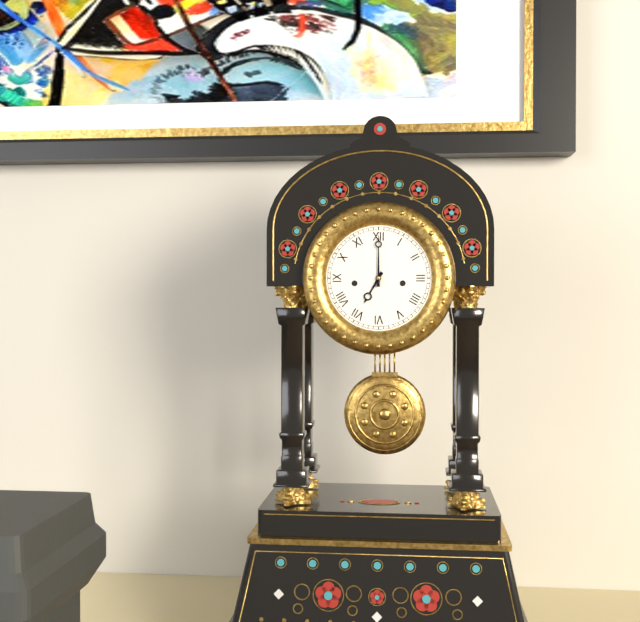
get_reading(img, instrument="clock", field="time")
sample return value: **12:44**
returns **7:00**
